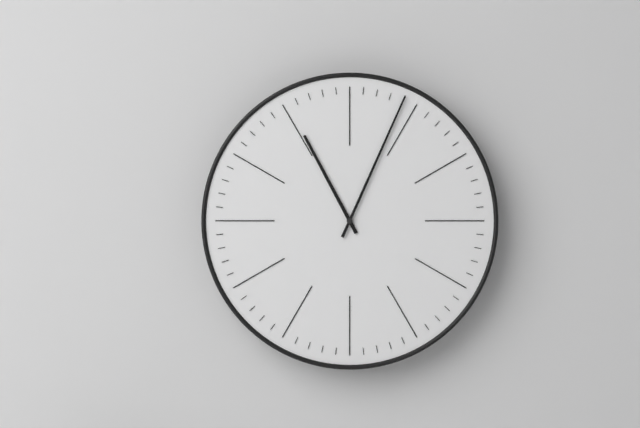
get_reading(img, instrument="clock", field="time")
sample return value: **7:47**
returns **11:04**
